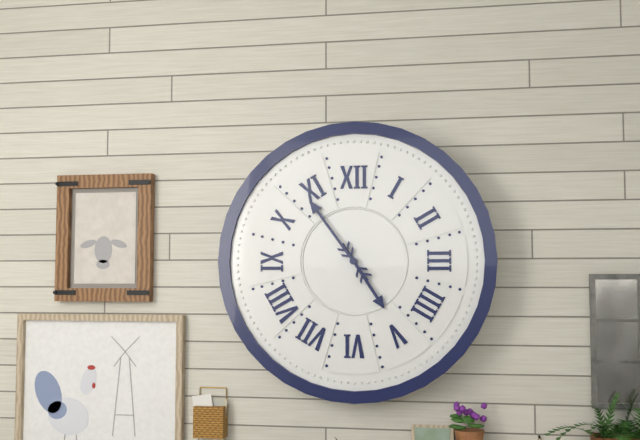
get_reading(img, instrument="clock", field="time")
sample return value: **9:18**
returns **4:54**
